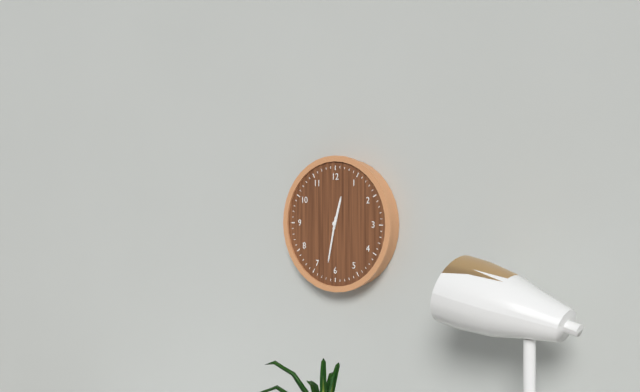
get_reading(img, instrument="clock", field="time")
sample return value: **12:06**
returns **12:32**
